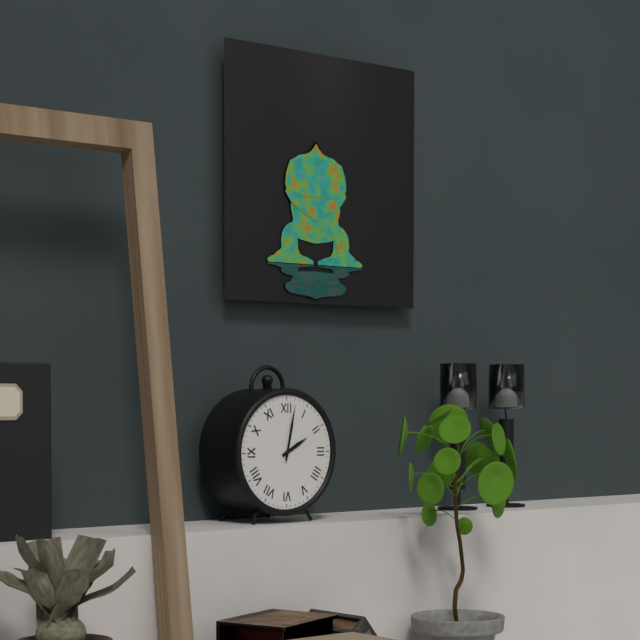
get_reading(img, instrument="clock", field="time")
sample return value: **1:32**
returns **2:02**
